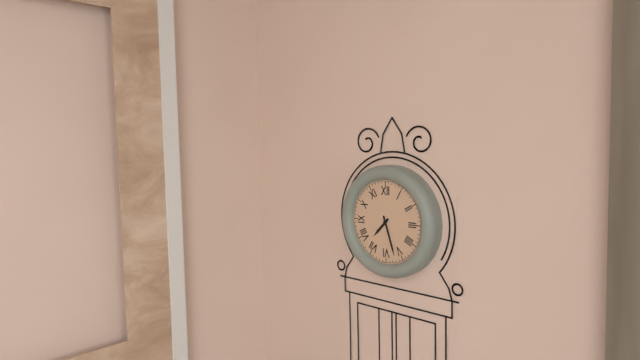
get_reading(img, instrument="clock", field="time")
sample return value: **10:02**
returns **7:27**
